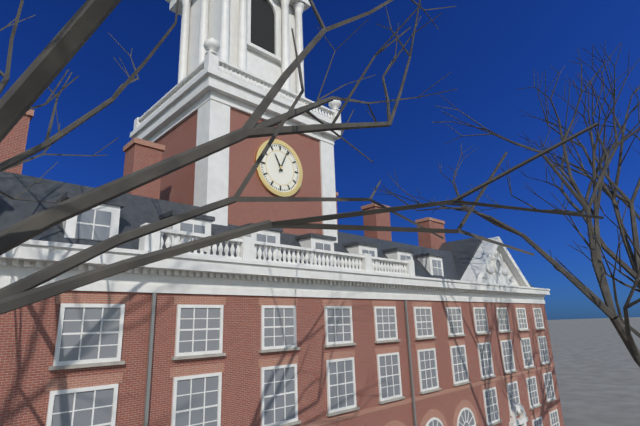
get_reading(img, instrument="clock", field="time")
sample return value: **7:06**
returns **11:04**
